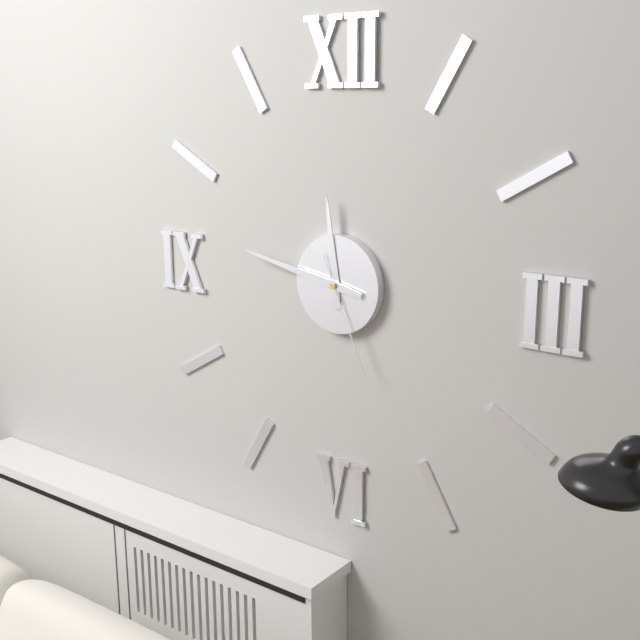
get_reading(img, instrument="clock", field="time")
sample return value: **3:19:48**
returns **11:47:26**
